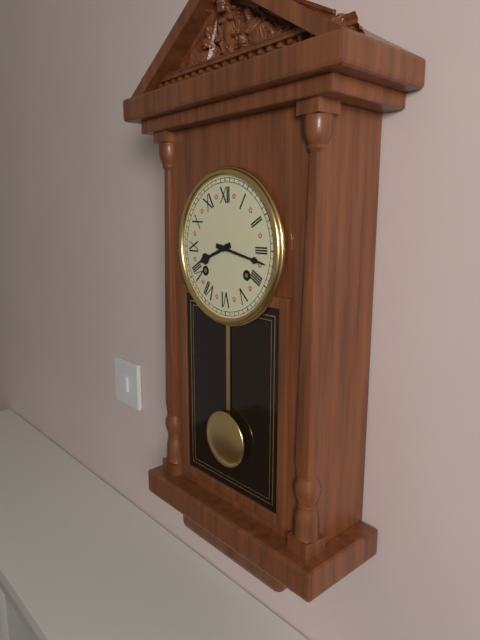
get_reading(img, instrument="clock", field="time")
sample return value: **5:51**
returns **8:17**
